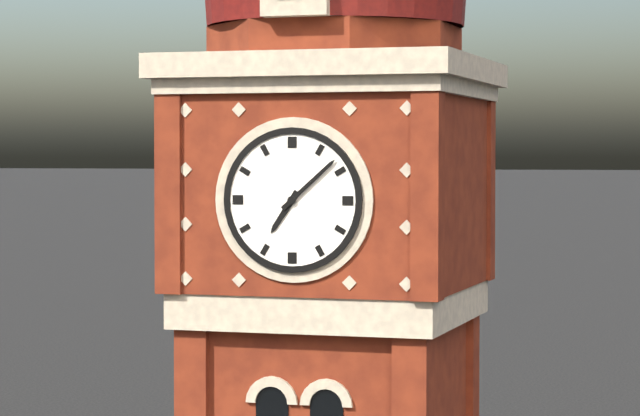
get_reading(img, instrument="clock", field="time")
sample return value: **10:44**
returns **7:08**
